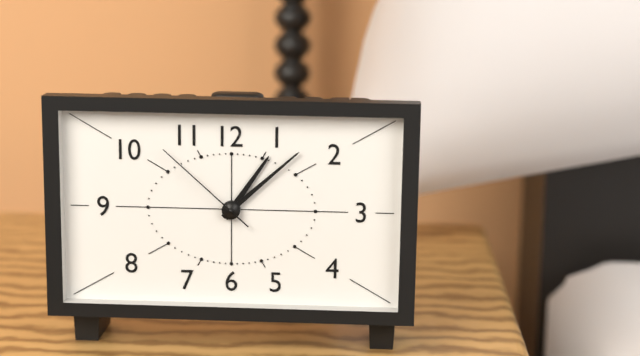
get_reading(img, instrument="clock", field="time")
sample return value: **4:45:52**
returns **1:08:52**
